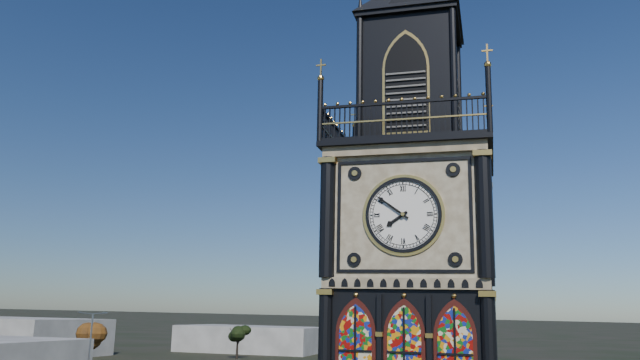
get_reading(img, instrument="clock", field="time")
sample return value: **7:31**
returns **7:51**
